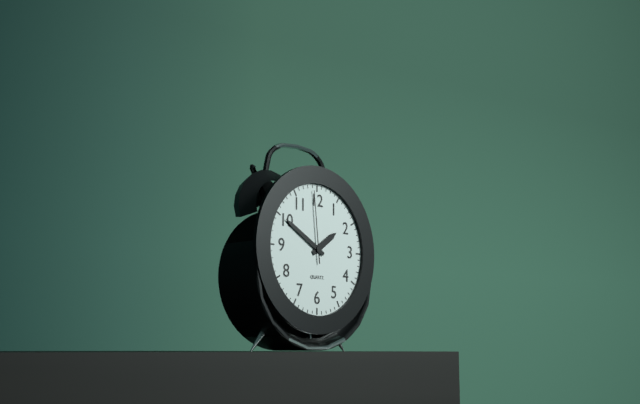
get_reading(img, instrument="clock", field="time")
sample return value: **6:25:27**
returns **1:50:59**
